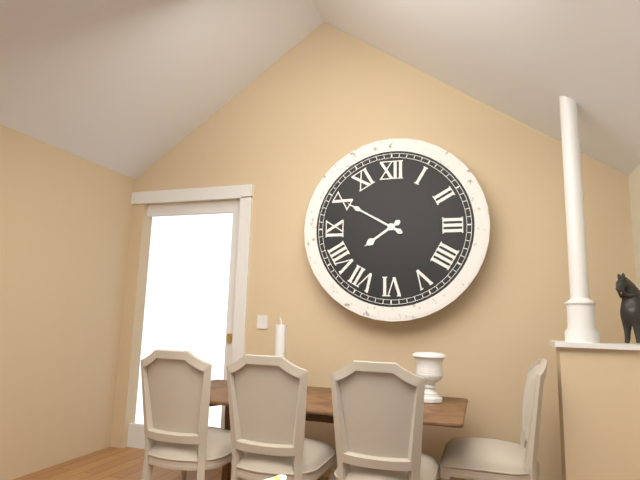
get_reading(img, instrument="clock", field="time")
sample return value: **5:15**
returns **7:50**
